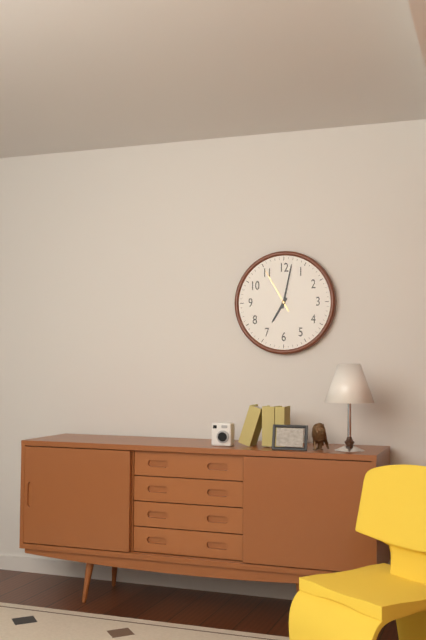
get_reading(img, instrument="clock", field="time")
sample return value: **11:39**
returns **7:02**
